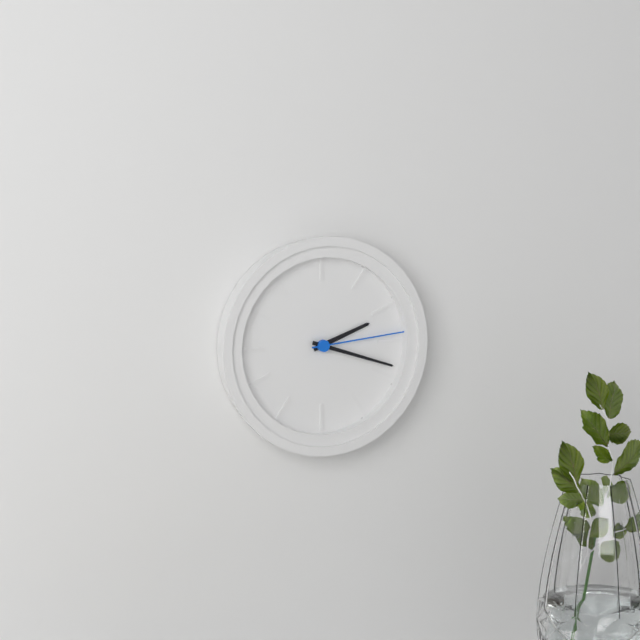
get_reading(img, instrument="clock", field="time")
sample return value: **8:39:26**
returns **2:18:14**
